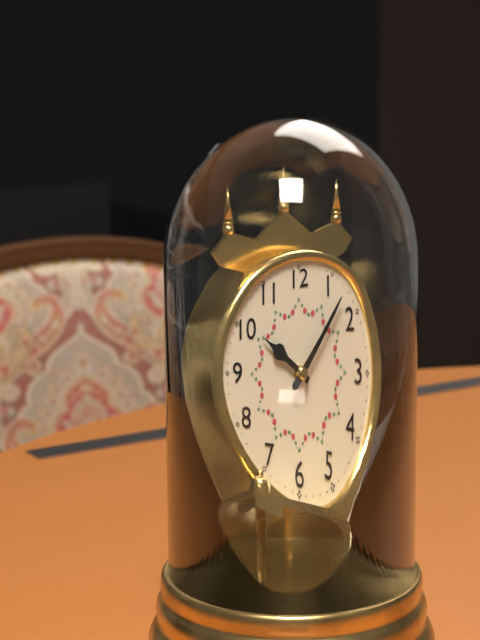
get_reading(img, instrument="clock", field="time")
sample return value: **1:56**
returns **10:07**
